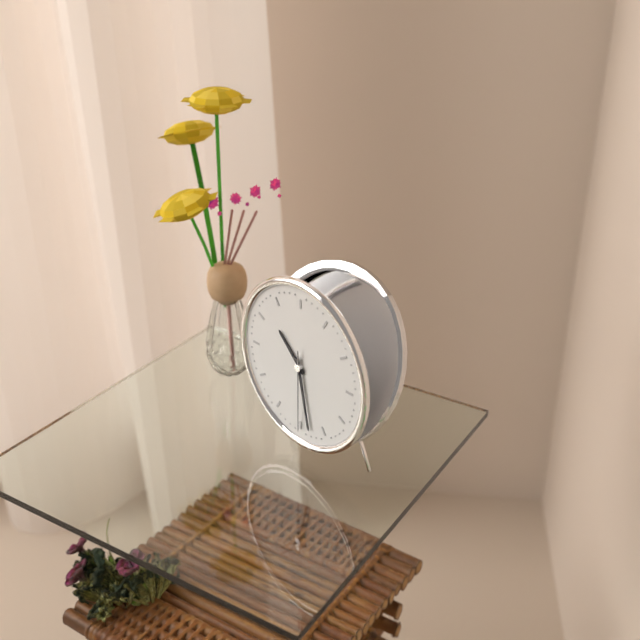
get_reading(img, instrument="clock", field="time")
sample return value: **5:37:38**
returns **10:28:30**
